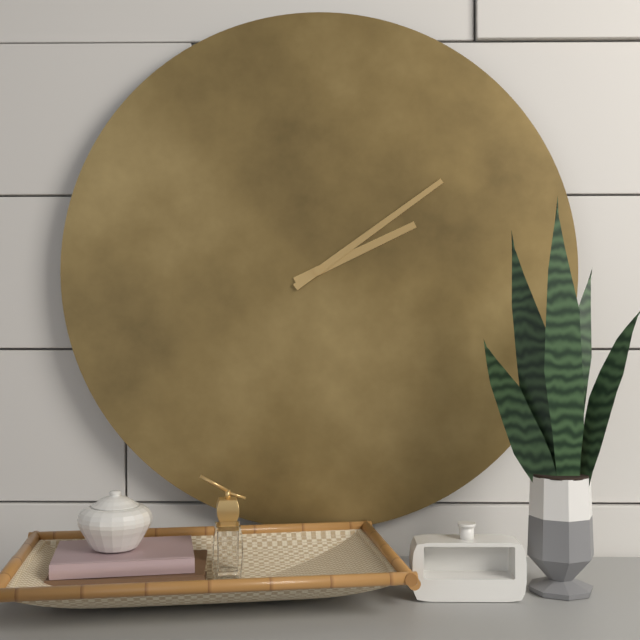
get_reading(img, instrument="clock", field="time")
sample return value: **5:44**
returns **2:09**
